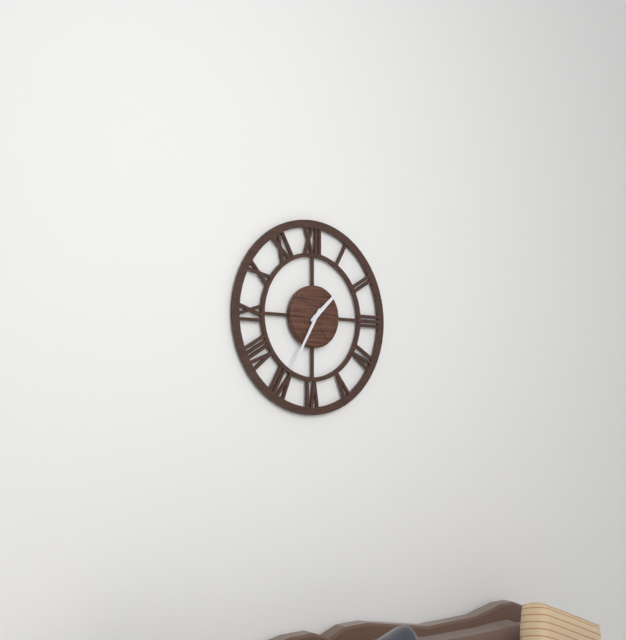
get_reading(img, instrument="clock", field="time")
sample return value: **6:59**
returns **1:35**
